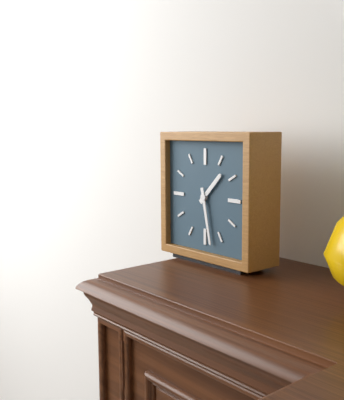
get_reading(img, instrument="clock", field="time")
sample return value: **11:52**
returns **1:28**
